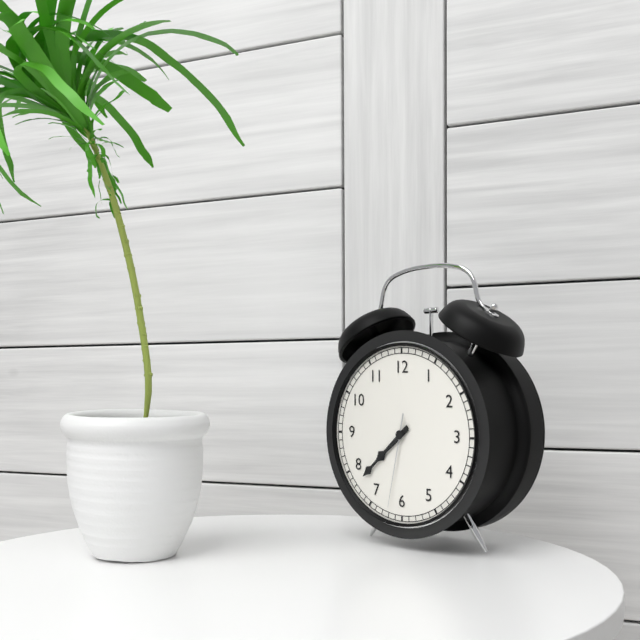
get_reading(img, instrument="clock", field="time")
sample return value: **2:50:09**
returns **7:38:32**
